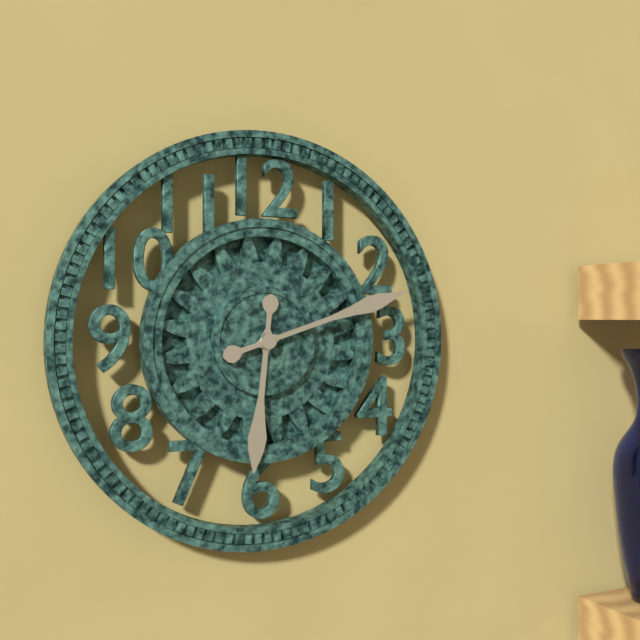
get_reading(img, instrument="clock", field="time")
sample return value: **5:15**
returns **6:12**
